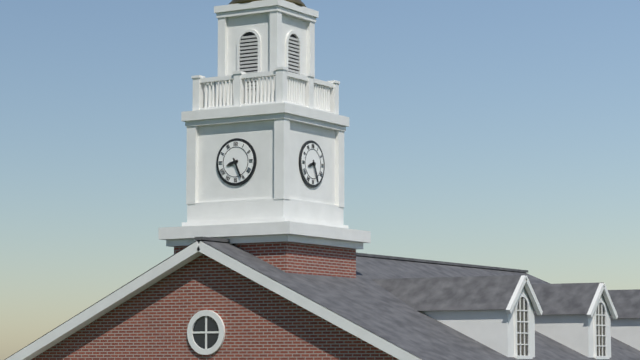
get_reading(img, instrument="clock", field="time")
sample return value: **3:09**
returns **8:26**
